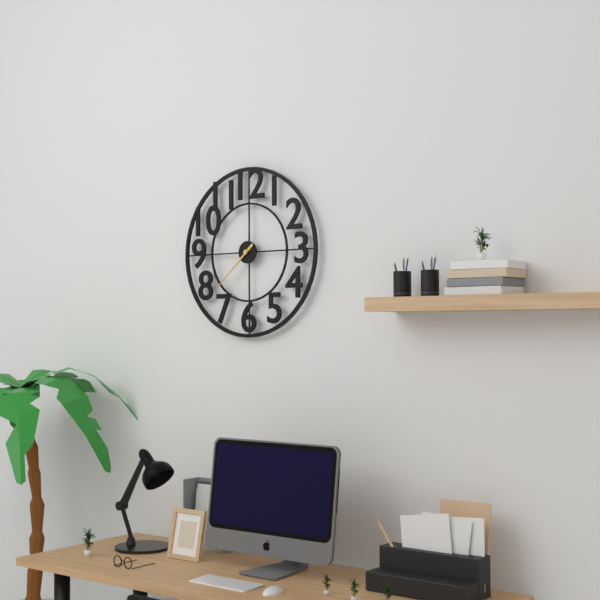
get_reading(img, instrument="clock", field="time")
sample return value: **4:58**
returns **7:38**
